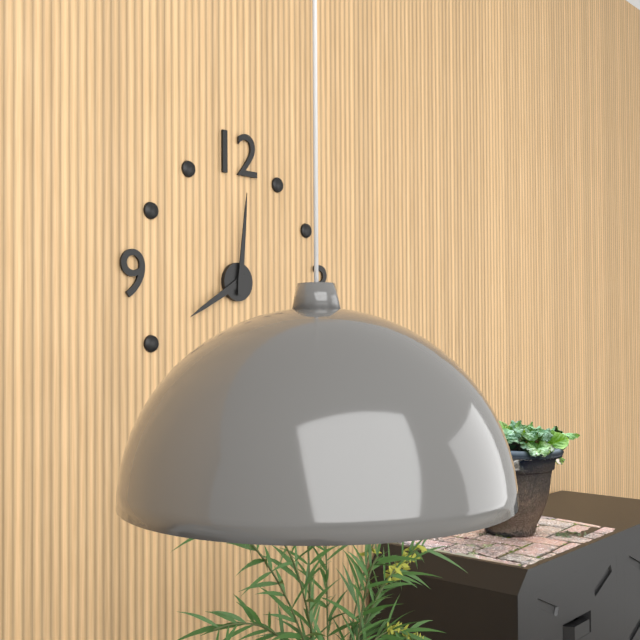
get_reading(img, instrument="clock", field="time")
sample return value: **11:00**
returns **8:01**
